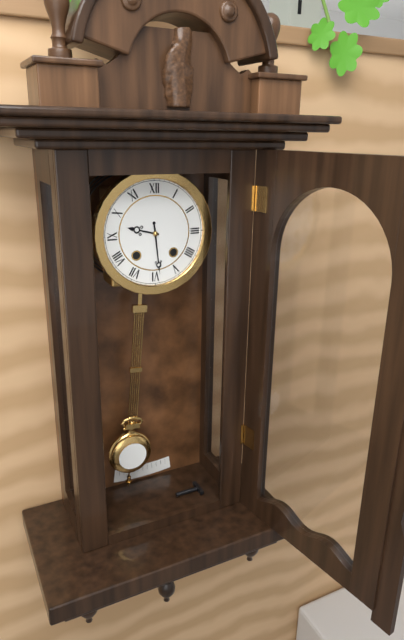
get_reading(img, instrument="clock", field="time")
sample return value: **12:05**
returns **9:29**
